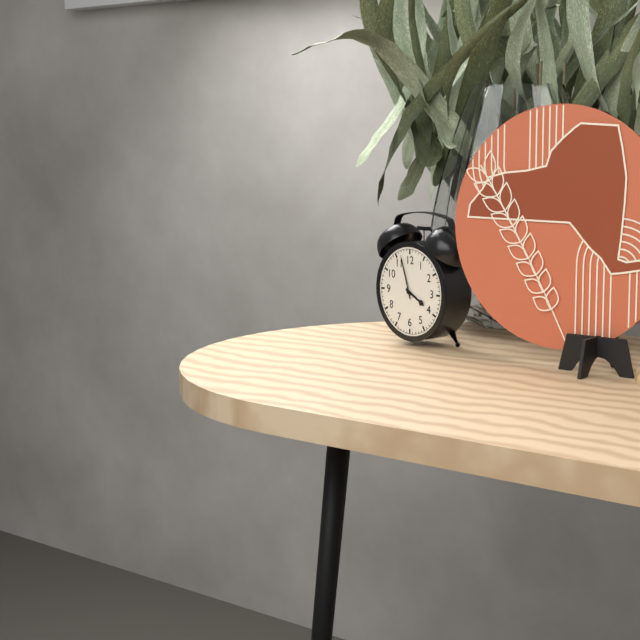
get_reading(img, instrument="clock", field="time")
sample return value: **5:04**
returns **3:57**
